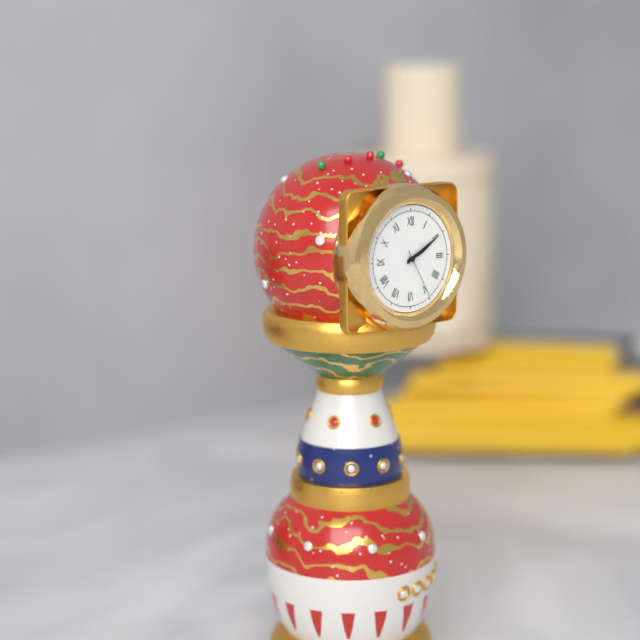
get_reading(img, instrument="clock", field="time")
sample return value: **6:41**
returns **2:10**
